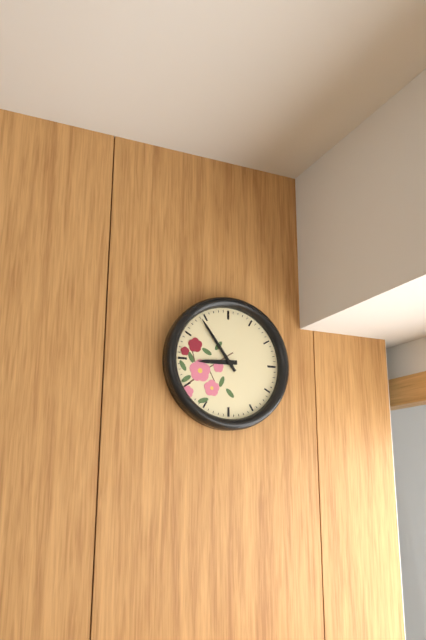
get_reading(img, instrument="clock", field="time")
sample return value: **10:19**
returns **8:54**
